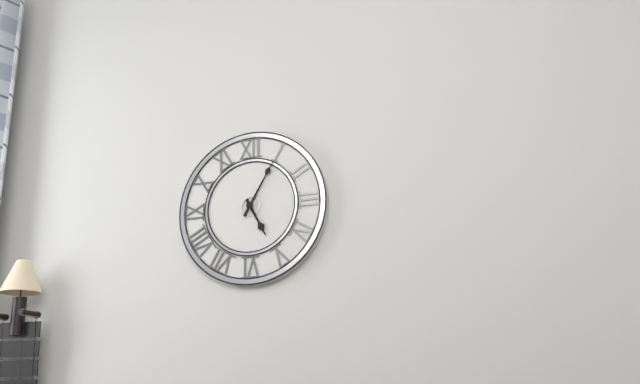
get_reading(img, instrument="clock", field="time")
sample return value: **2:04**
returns **5:05**
